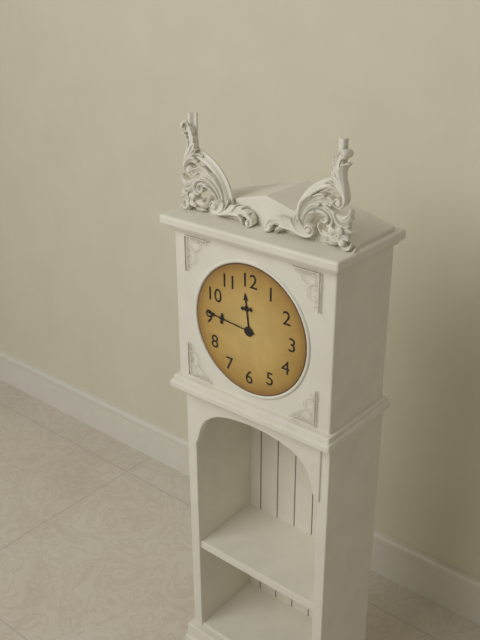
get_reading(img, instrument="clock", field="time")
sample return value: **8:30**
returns **11:46**
